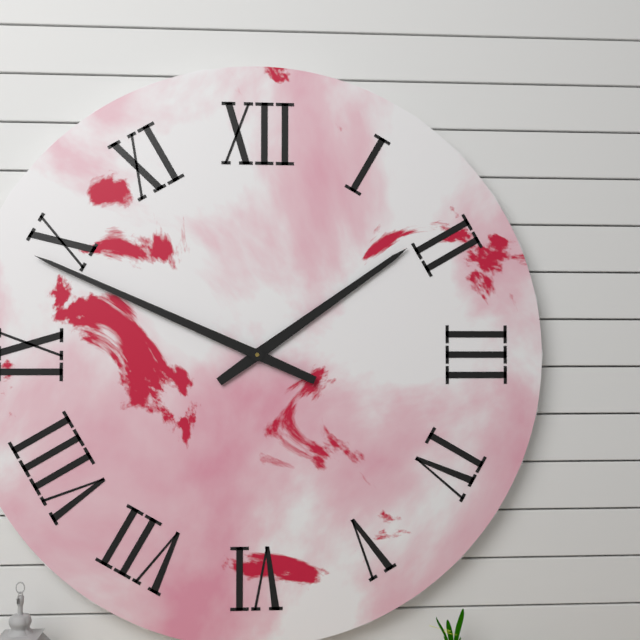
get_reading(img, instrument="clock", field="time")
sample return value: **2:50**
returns **1:49**
